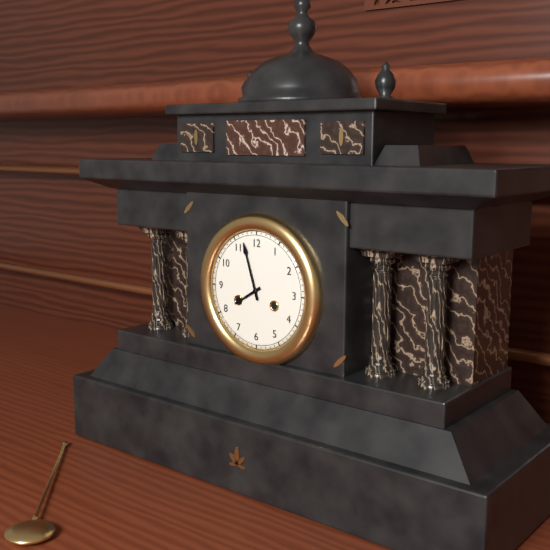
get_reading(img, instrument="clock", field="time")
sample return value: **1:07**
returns **7:57**
